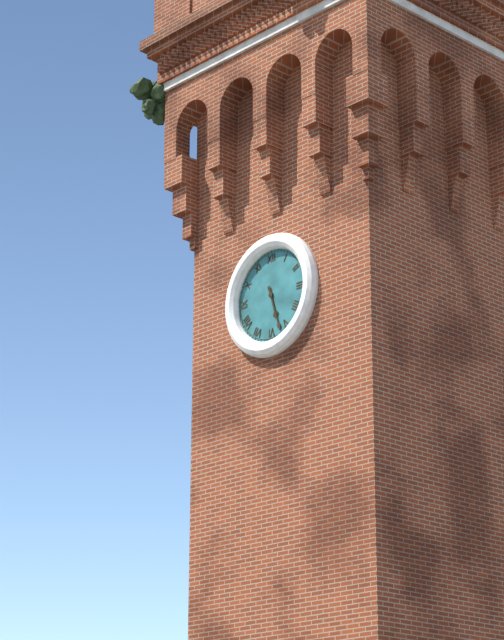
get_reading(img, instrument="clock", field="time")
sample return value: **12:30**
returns **5:27**
